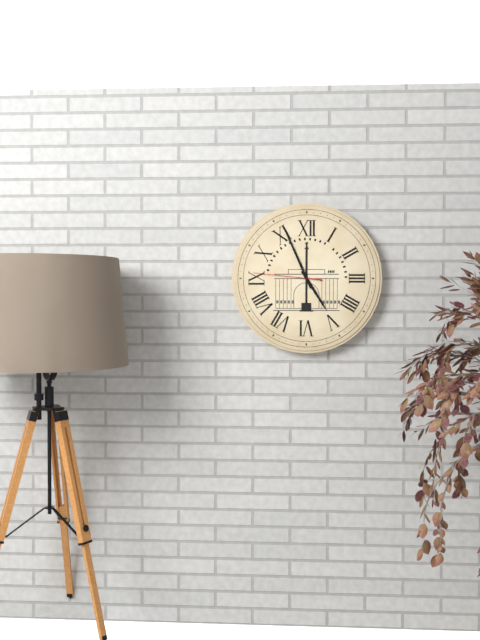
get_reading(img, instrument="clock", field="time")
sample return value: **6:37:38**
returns **4:56:46**
